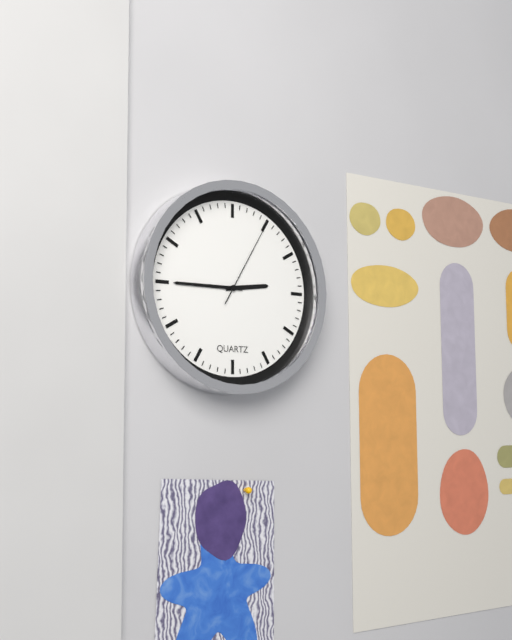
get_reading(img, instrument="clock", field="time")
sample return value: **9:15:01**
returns **2:45:05**
